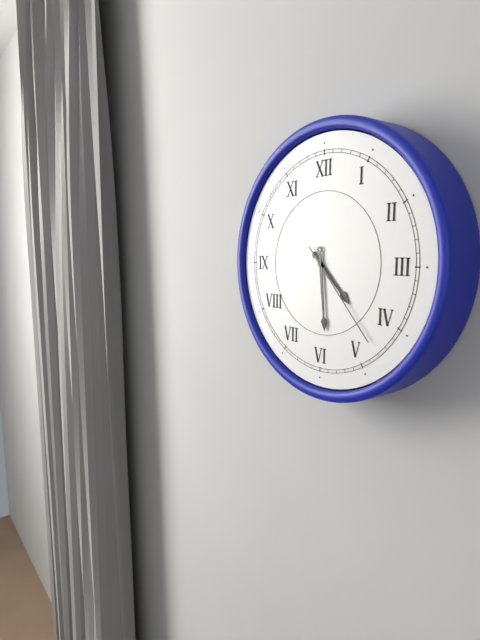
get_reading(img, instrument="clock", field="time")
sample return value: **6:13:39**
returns **4:29:23**
